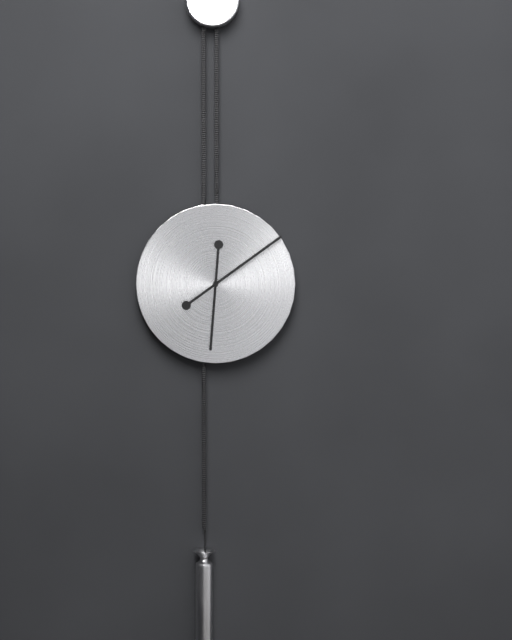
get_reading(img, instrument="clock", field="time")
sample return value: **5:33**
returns **6:09**
